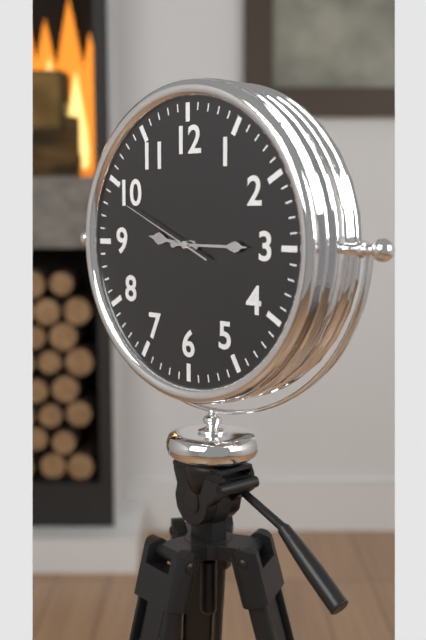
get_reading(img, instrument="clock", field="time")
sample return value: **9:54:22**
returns **9:15:49**
